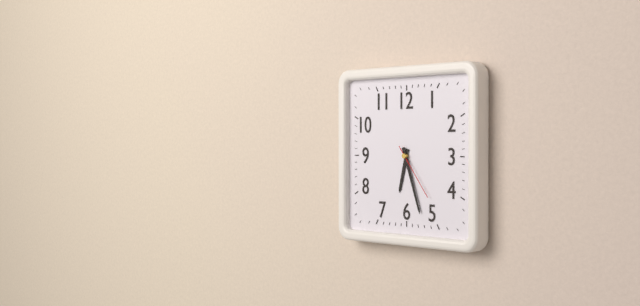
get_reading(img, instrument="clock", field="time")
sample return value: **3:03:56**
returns **6:27:24**
